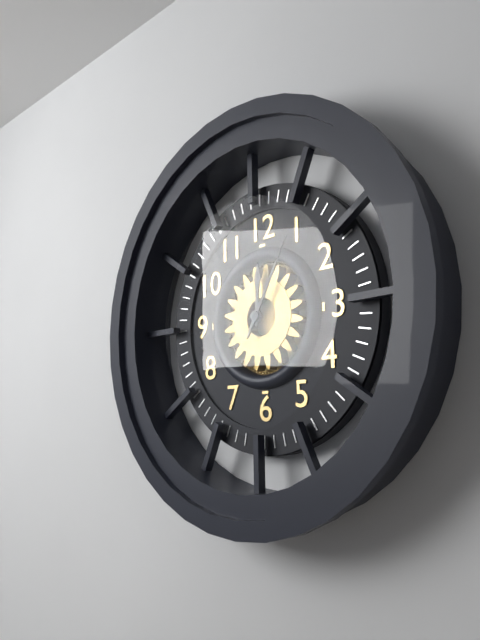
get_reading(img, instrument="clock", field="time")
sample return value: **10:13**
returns **12:05**
